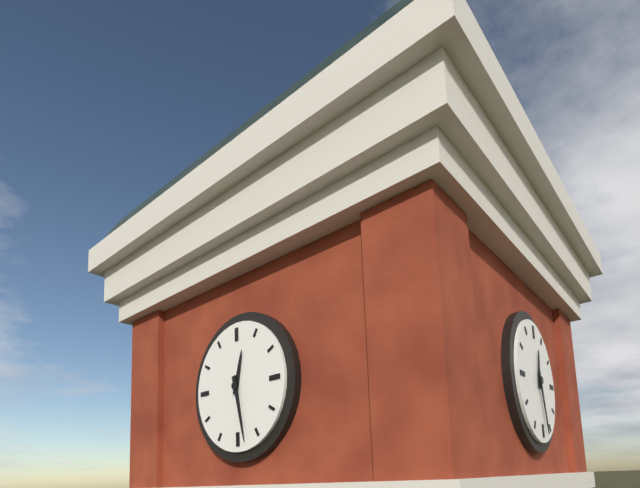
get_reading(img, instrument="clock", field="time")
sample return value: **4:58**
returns **12:28**
